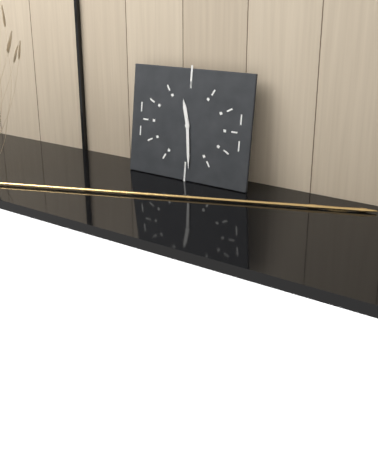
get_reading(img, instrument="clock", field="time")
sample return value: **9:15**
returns **11:29**
